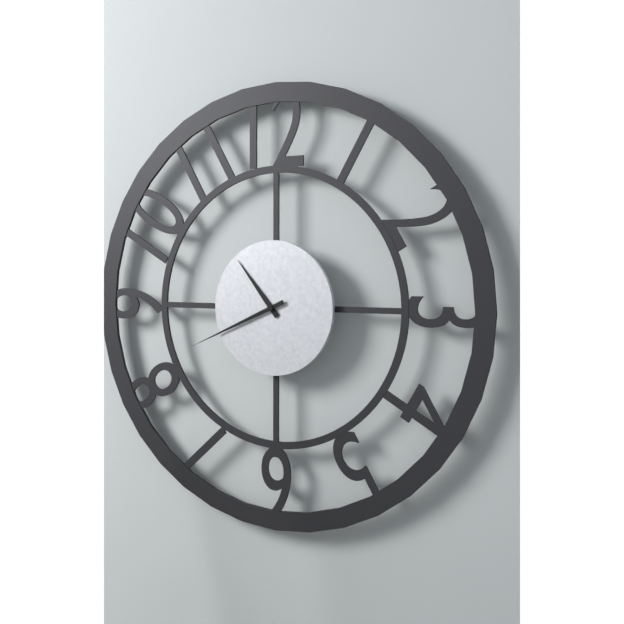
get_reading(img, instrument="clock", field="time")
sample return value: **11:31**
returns **10:41**
